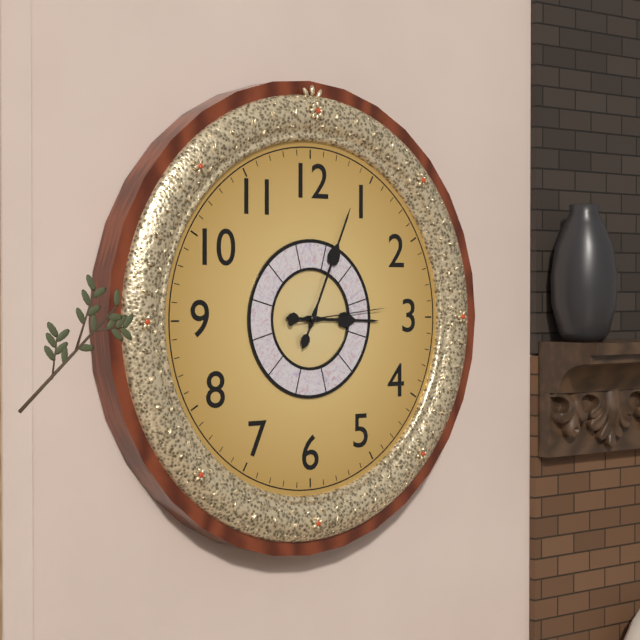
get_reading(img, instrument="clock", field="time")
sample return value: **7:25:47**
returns **3:04:14**
